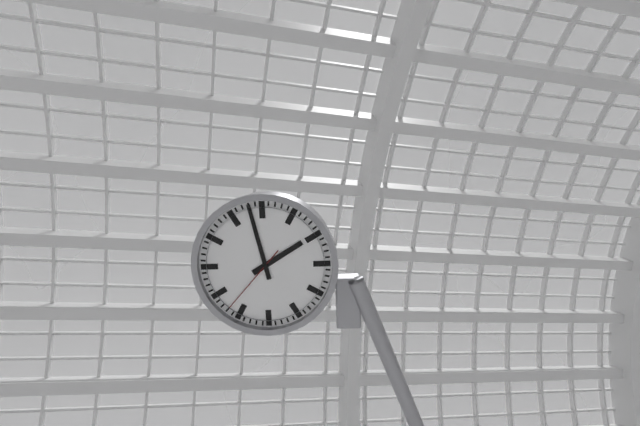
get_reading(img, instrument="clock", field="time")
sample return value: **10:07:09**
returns **1:58:37**
